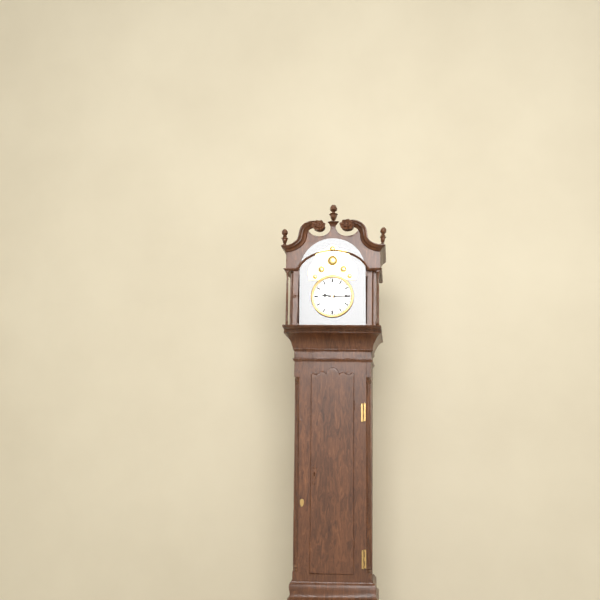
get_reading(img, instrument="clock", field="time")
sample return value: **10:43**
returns **9:15**
